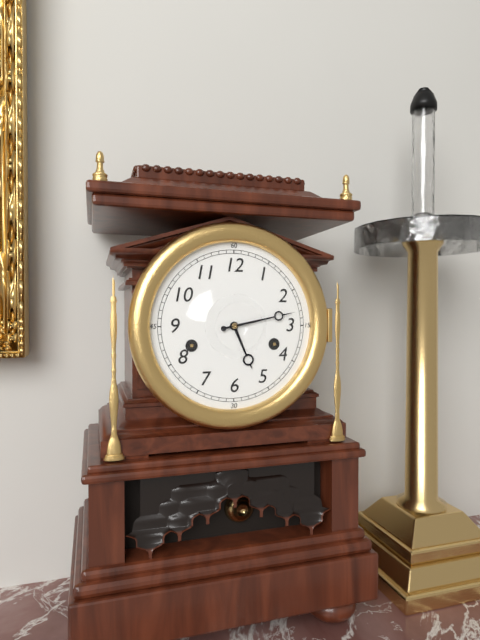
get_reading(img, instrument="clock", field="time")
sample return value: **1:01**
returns **5:13**
